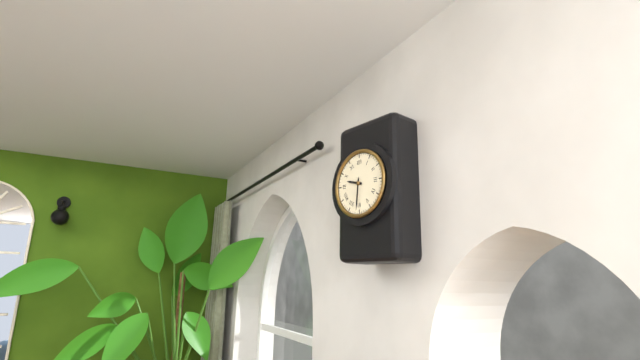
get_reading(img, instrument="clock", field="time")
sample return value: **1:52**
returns **9:31**
